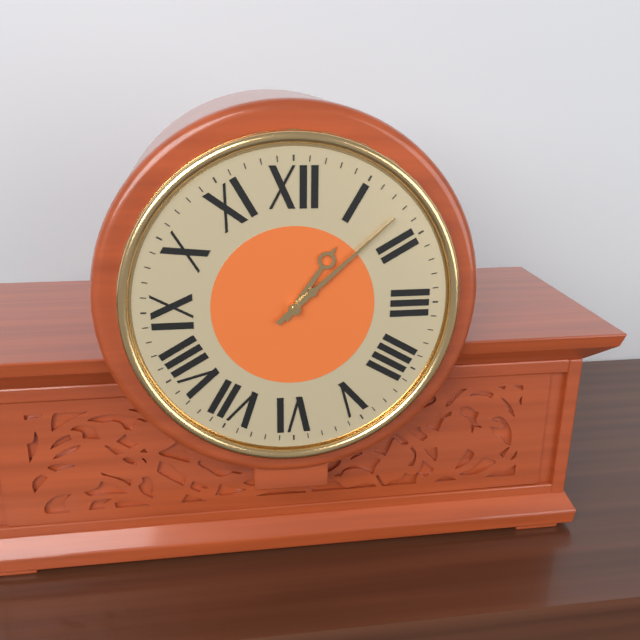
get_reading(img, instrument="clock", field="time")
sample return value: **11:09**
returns **1:08**
